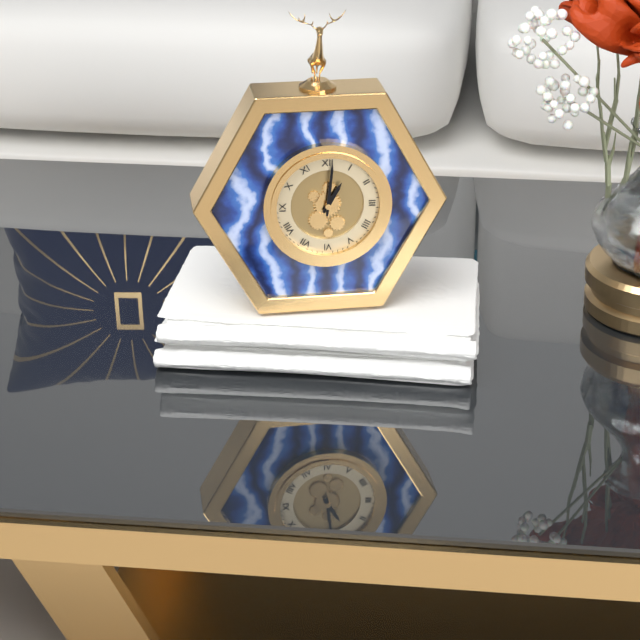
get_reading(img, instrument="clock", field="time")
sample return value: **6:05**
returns **1:01**
